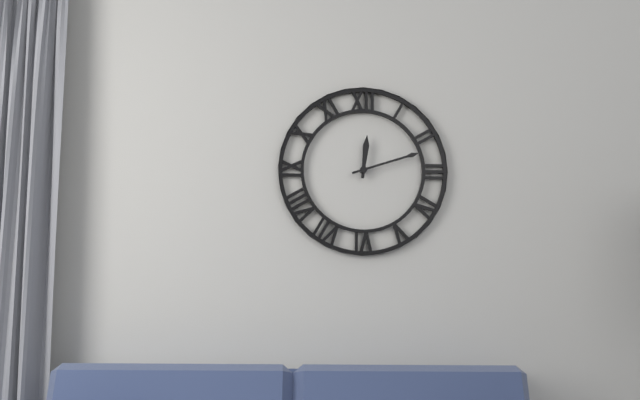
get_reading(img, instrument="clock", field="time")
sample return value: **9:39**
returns **12:12**
